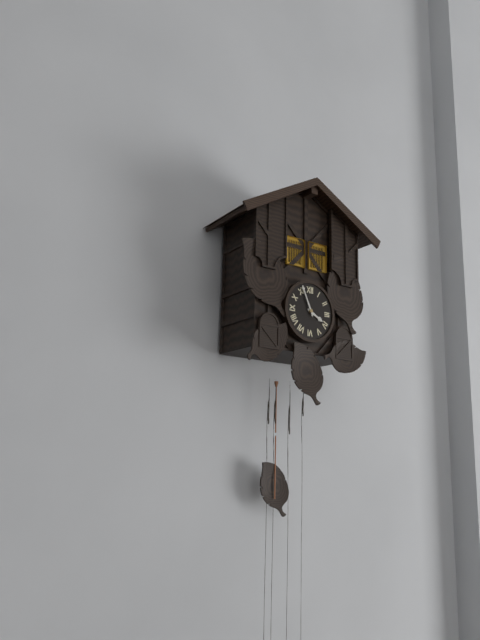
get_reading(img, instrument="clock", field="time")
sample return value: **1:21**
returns **3:56**
